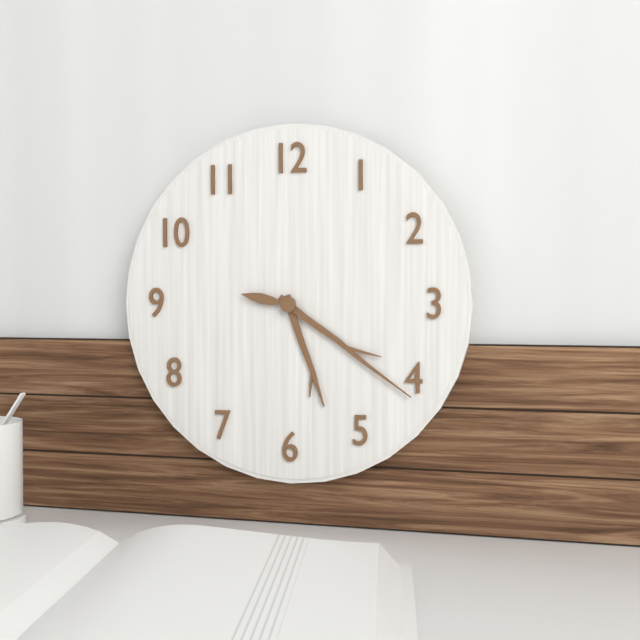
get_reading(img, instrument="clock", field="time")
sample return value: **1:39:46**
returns **5:21:47**
